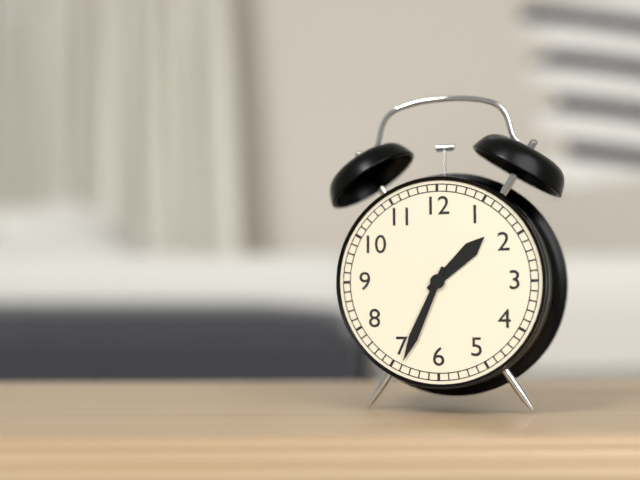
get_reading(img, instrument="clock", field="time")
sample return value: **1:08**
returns **1:34**
